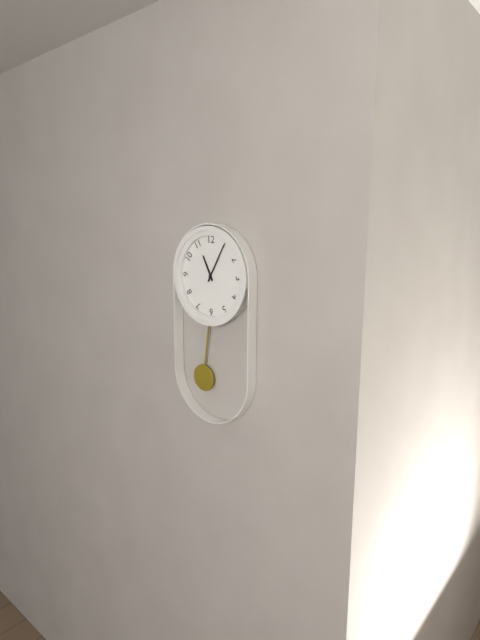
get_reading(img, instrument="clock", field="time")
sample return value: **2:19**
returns **11:05**
